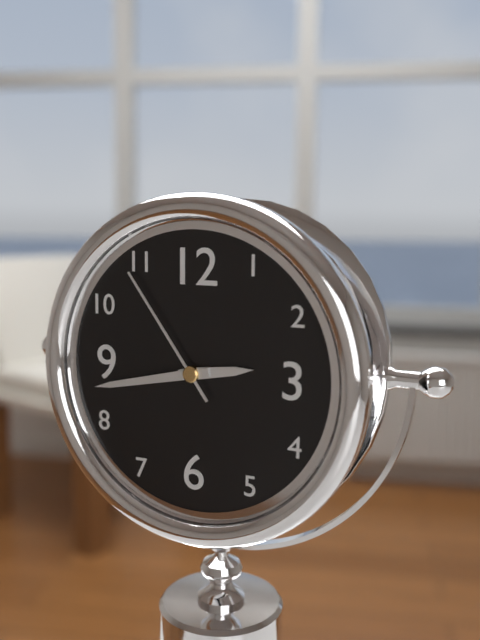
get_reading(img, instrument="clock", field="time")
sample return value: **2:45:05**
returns **2:43:54**
